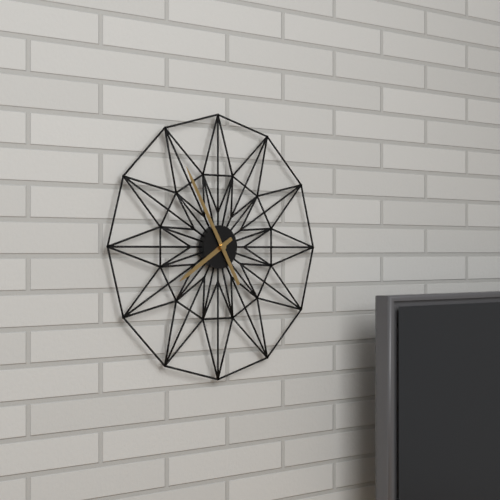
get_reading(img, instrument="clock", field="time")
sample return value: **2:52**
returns **7:55**
